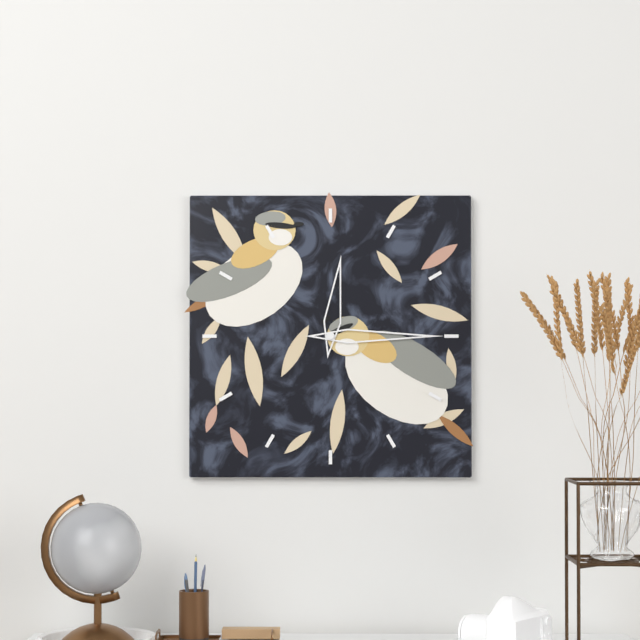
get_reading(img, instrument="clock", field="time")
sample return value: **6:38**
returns **12:15**
